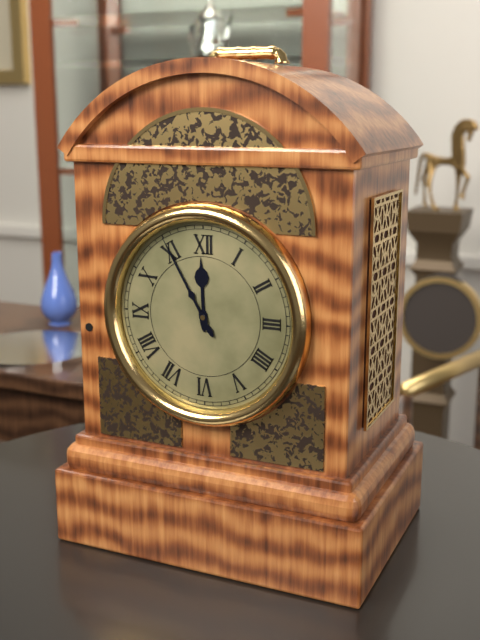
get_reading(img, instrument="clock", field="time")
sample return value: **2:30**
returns **11:55**
